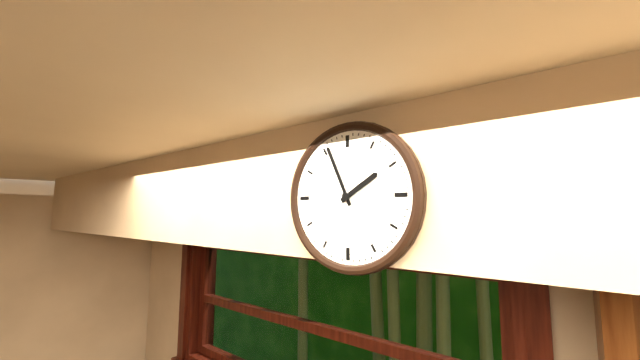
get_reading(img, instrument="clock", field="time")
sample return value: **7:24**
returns **1:56**
